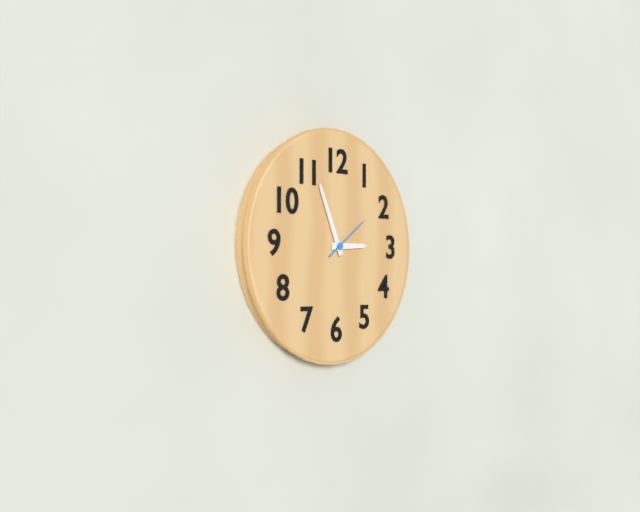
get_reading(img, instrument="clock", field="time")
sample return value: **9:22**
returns **2:56**
